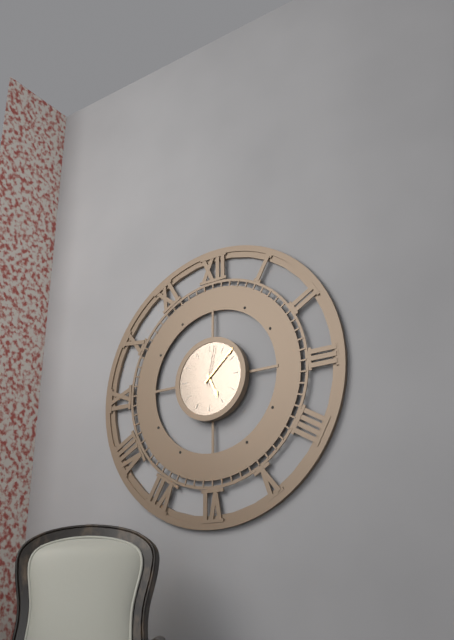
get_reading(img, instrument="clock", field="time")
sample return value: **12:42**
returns **5:08**
